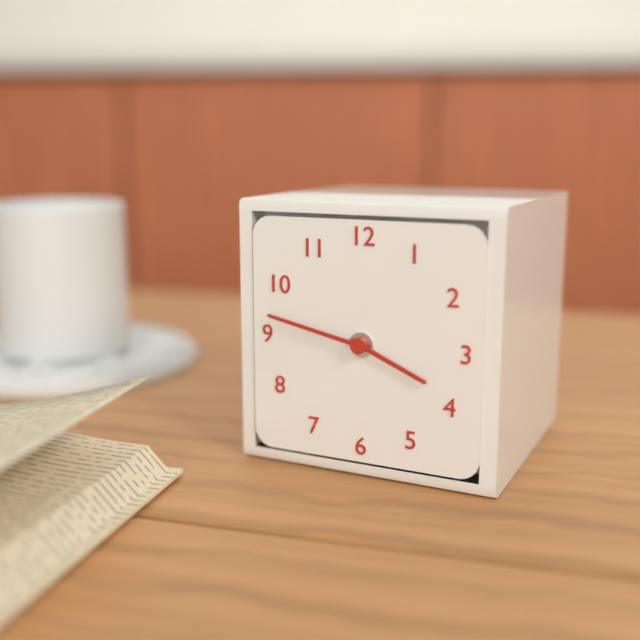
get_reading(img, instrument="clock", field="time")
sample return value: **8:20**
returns **3:47**
